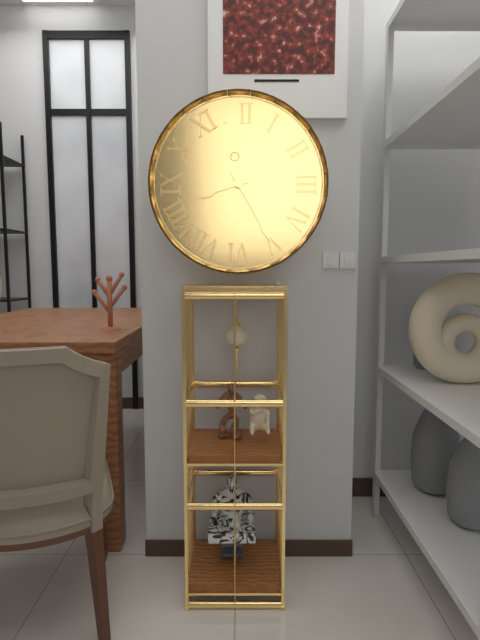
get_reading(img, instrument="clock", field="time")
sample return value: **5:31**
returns **8:25**
